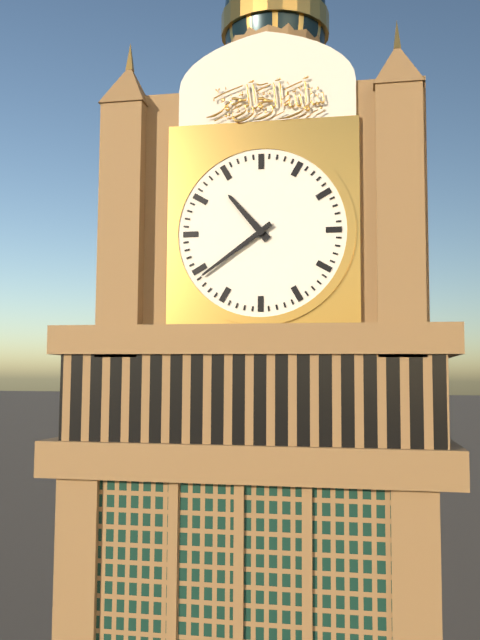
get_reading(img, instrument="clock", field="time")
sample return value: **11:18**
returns **10:39**
